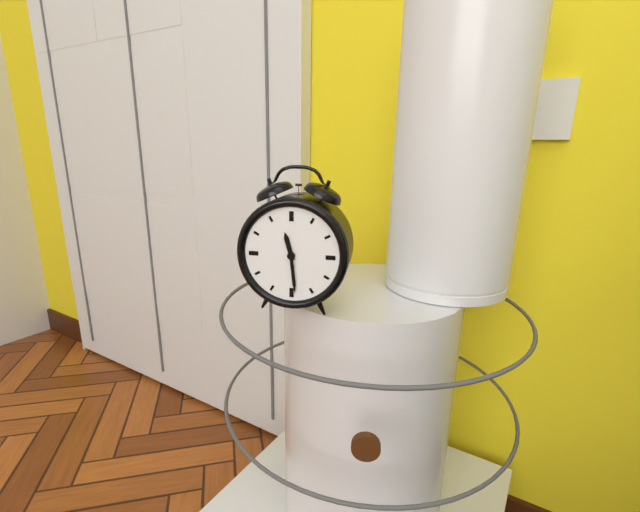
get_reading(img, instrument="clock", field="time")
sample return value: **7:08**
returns **11:29**
